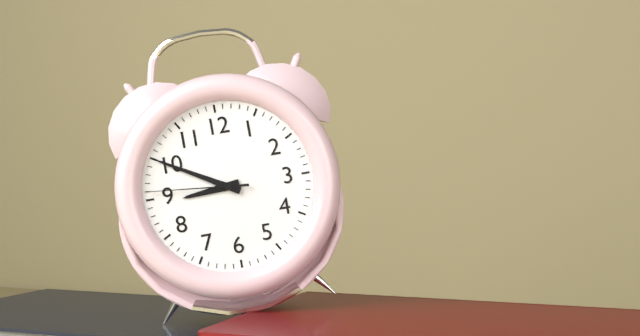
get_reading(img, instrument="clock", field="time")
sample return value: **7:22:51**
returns **8:50:46**
